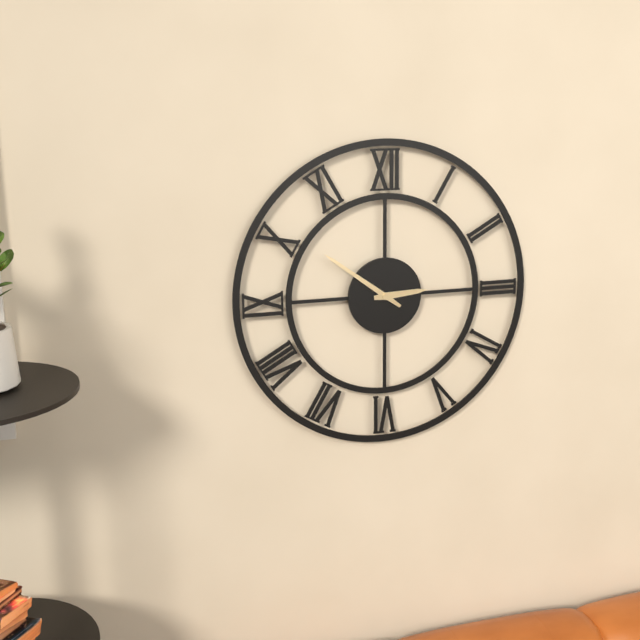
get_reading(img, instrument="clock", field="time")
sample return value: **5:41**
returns **2:51**
